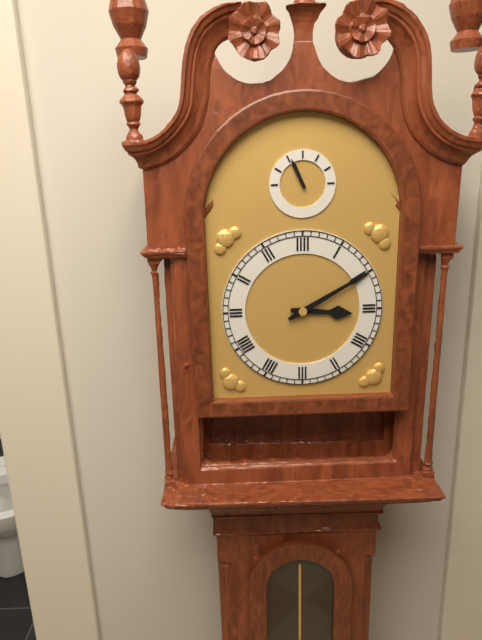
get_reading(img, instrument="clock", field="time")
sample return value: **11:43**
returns **3:10**
